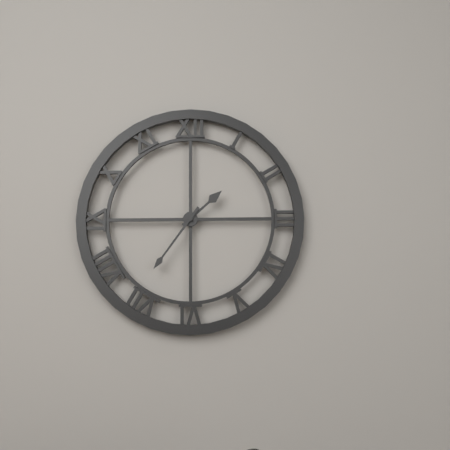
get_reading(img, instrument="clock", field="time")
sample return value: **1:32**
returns **1:36**
